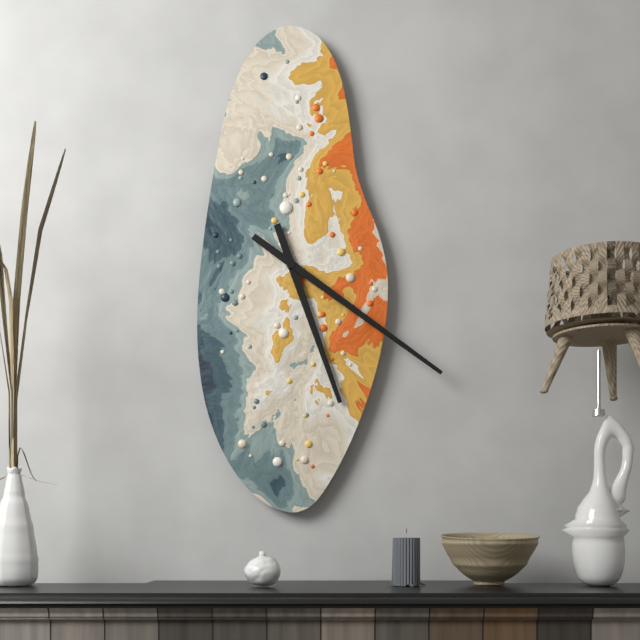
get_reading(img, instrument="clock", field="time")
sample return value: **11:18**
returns **5:21**
